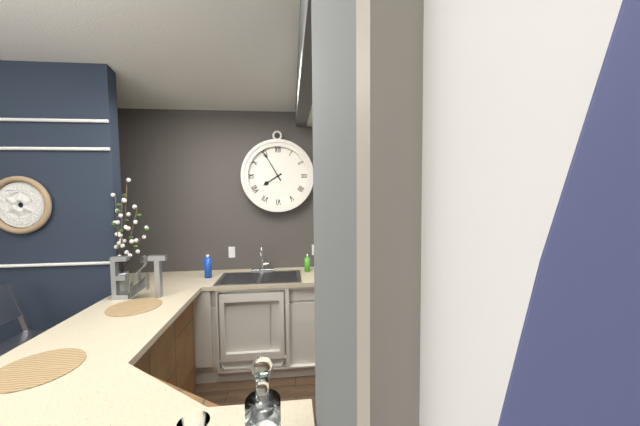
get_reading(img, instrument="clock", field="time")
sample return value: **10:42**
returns **7:55**
